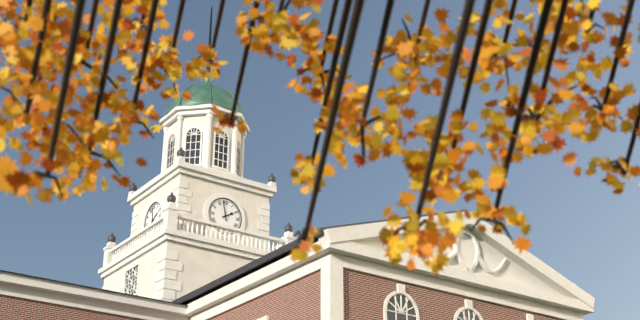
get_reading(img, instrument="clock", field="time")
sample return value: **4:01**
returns **1:58**
